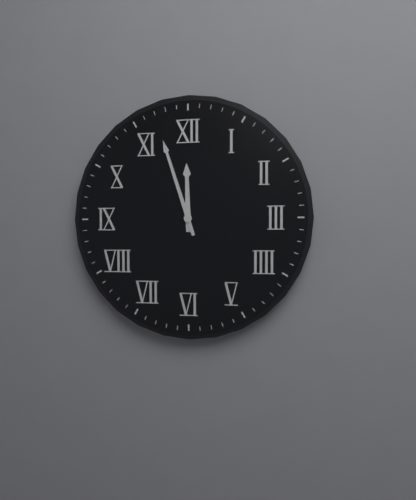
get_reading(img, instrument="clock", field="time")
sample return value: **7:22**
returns **11:57**
